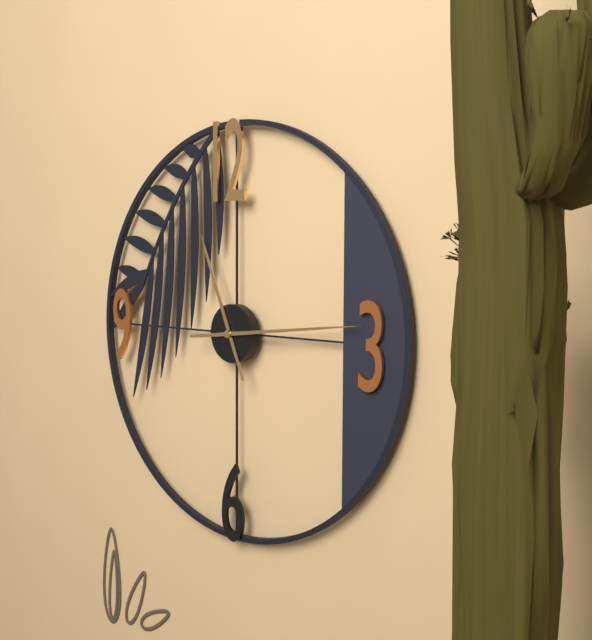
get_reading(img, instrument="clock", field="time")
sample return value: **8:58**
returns **11:14**
